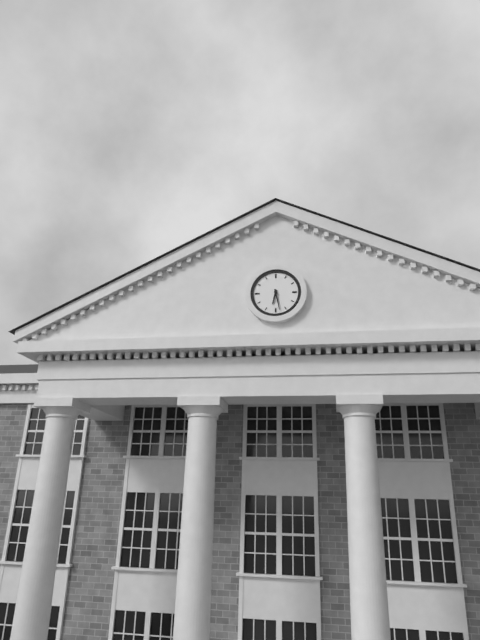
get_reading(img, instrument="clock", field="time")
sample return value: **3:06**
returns **6:28**
